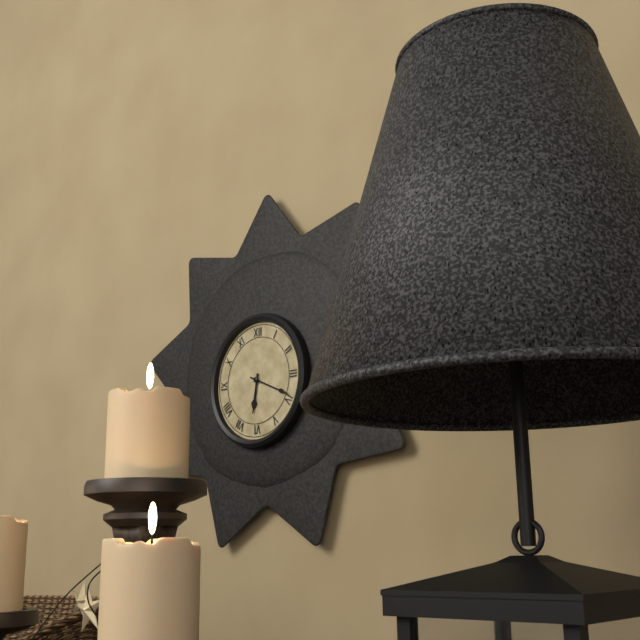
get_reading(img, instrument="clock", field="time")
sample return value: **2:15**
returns **6:19**
